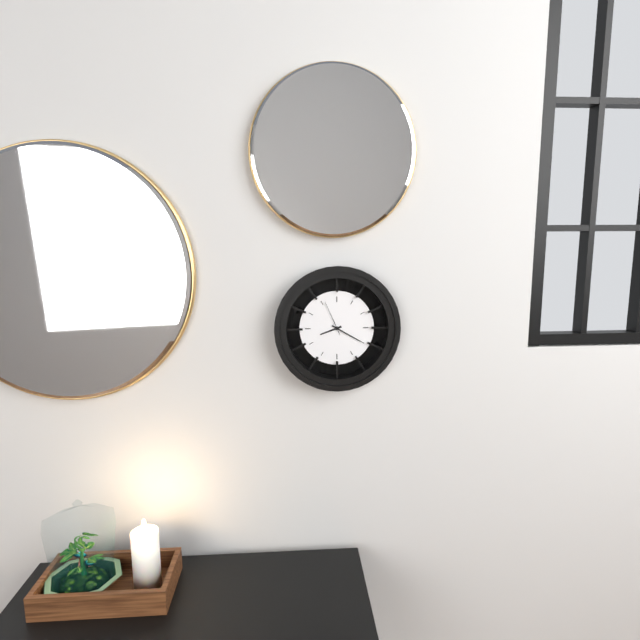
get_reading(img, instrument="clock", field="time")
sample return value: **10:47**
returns **8:20**
